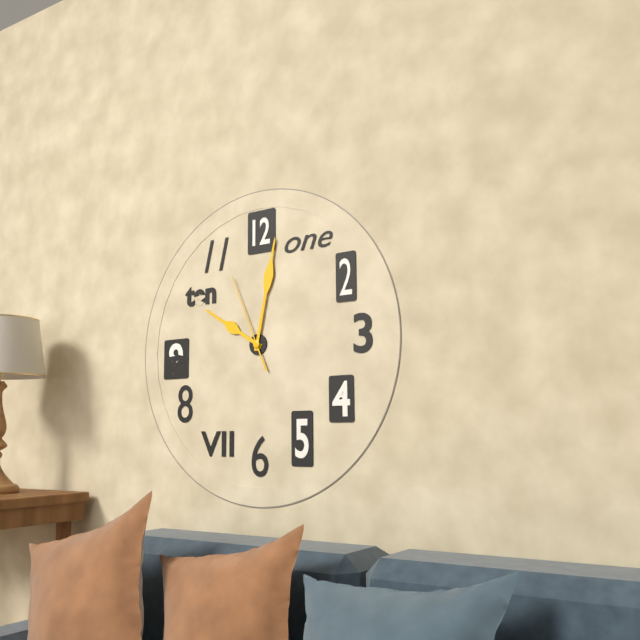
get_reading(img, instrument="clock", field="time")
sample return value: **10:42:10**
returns **10:02:56**
